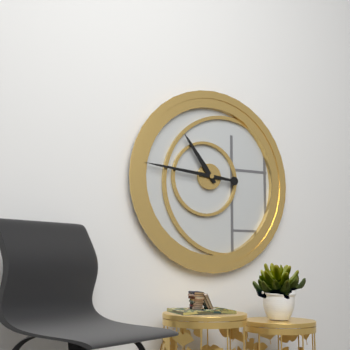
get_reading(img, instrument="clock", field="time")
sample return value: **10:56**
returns **10:46**
